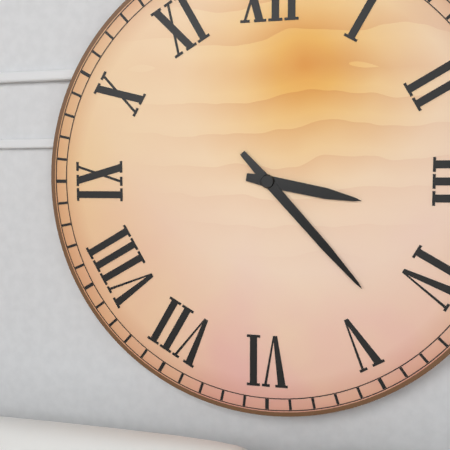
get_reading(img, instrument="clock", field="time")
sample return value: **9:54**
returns **3:23**
